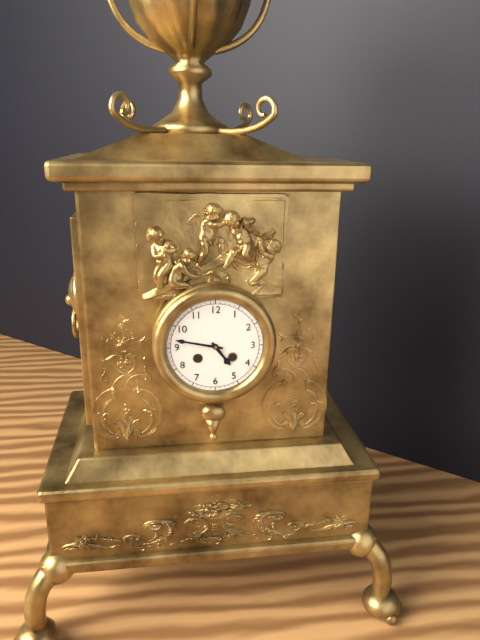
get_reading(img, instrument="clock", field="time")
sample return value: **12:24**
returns **4:47**
